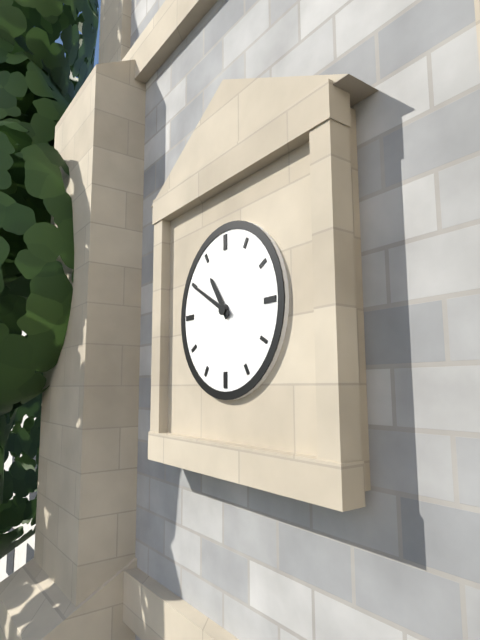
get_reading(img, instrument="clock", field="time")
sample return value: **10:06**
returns **10:50**
